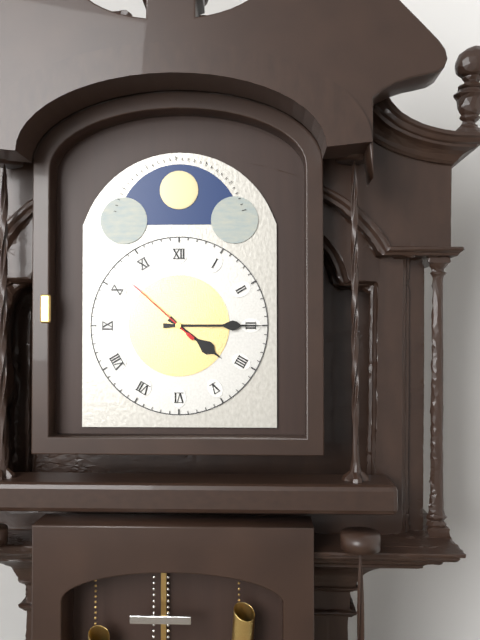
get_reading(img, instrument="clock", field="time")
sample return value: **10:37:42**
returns **4:15:52**
